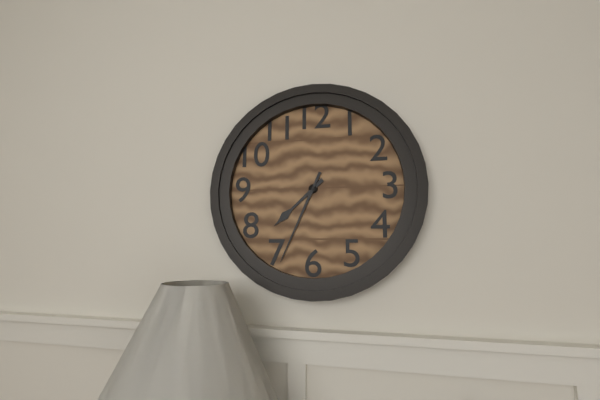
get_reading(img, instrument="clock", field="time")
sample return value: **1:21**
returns **7:34**
